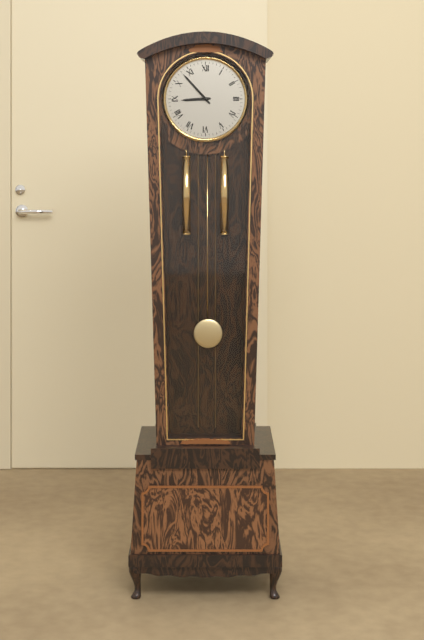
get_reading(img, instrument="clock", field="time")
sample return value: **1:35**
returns **8:53**
